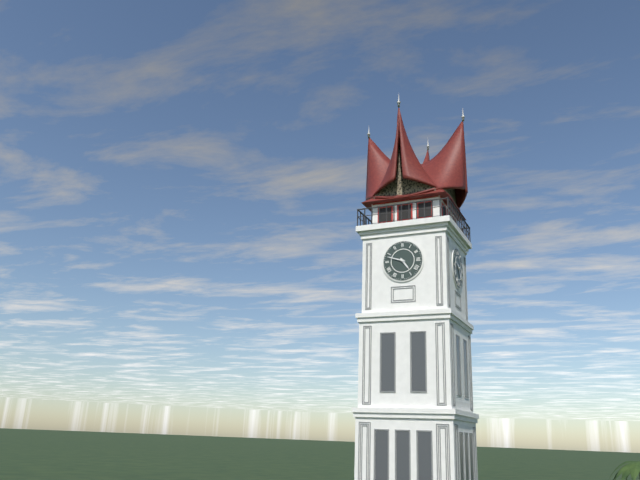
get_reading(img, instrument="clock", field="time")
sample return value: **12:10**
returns **4:48**
